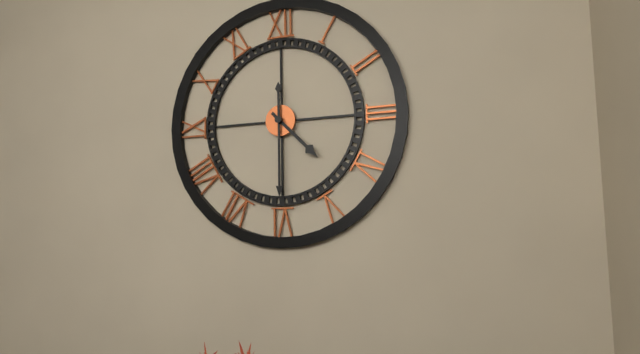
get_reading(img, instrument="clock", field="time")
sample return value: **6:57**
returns **4:30**
